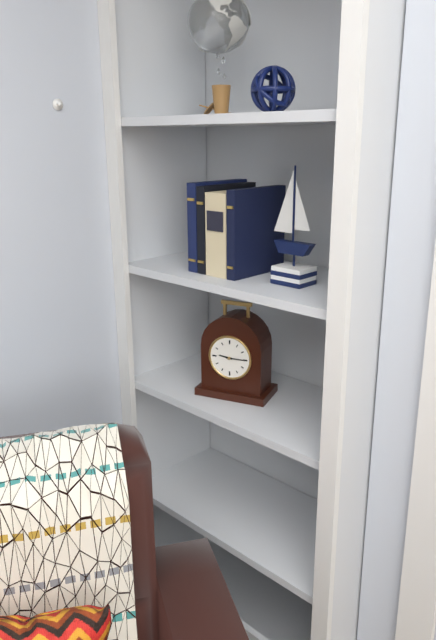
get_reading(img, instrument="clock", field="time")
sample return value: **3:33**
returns **9:15**
